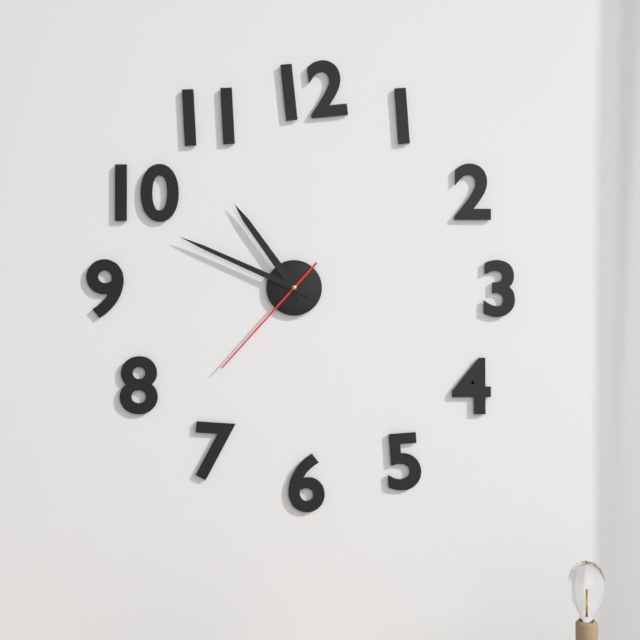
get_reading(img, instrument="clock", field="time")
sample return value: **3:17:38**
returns **10:49:37**
